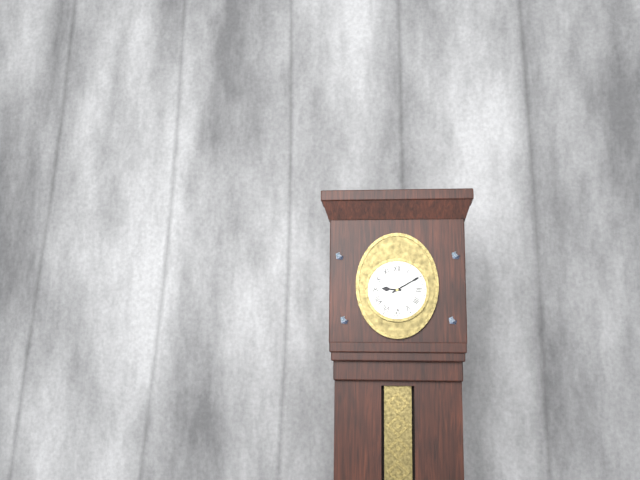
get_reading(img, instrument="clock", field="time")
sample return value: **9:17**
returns **9:10**
